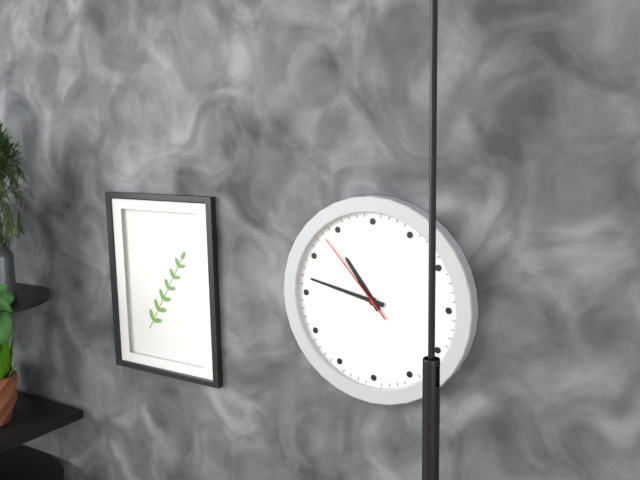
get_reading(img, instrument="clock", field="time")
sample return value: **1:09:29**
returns **10:47:53**
